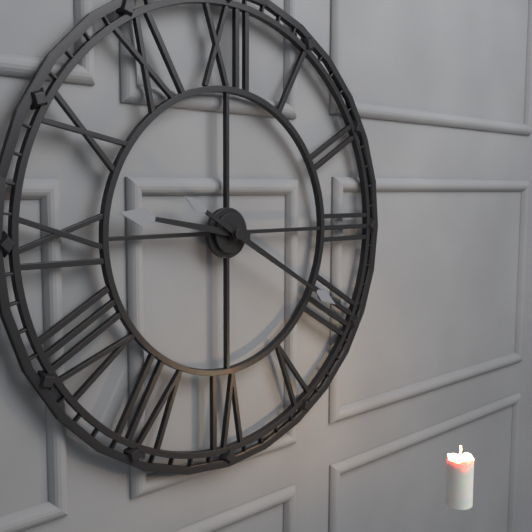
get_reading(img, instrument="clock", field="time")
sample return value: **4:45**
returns **9:20**
